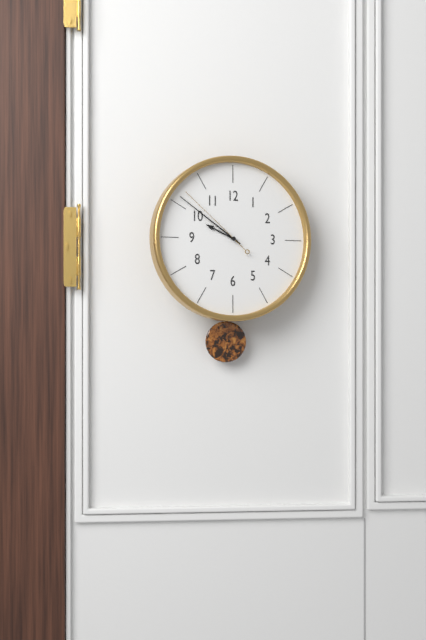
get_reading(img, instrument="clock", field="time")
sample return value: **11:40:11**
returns **9:51:52**
